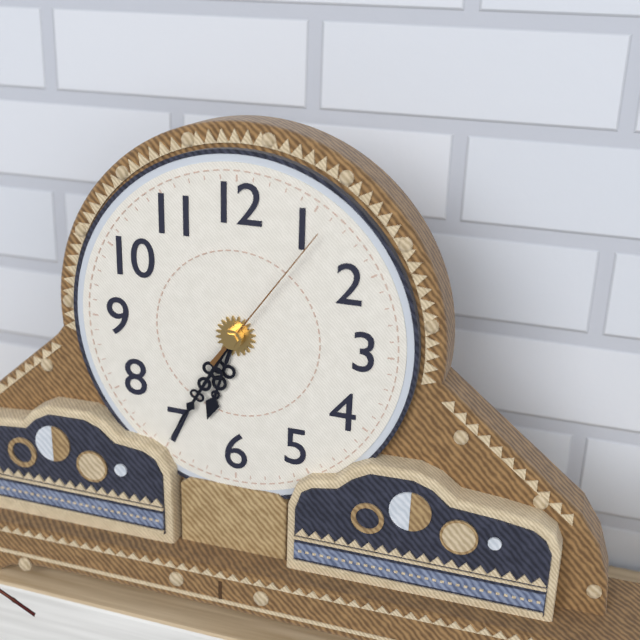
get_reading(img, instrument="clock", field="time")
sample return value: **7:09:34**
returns **6:35:06**
